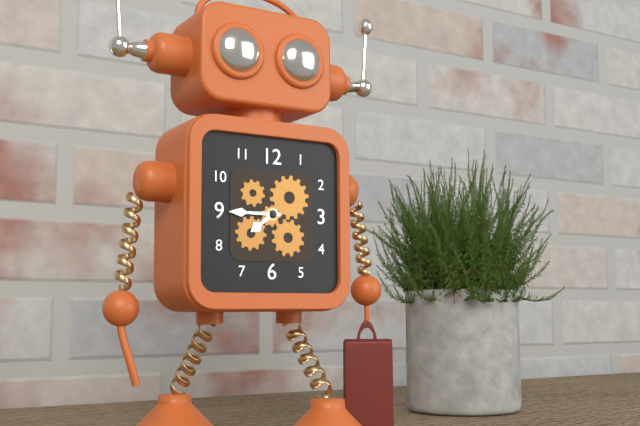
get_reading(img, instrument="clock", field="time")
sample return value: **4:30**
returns **7:45**
